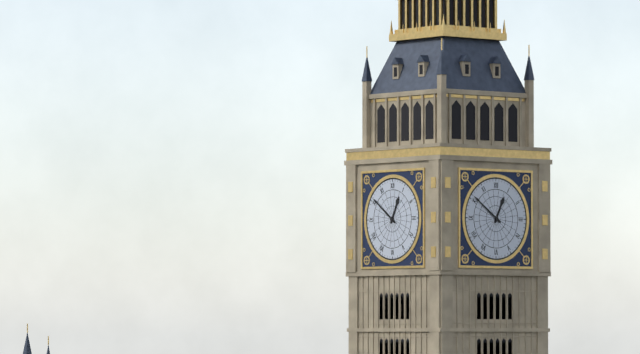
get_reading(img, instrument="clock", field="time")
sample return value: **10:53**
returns **12:51**
